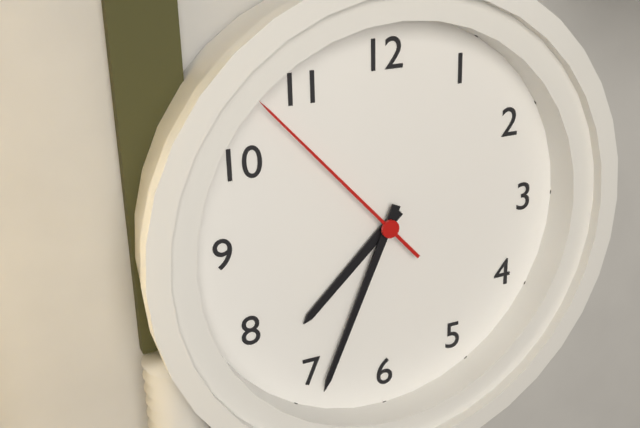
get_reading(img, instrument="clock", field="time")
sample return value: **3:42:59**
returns **7:34:53**
